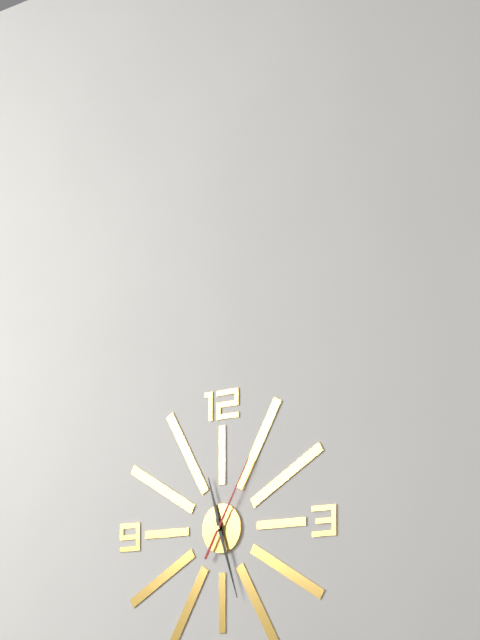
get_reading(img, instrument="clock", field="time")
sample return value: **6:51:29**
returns **11:27:05**
